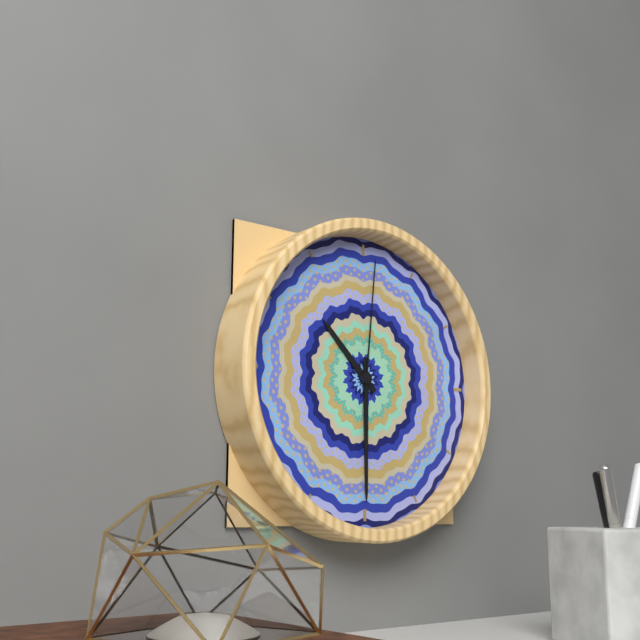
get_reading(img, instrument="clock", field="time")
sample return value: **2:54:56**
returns **10:30:01**
